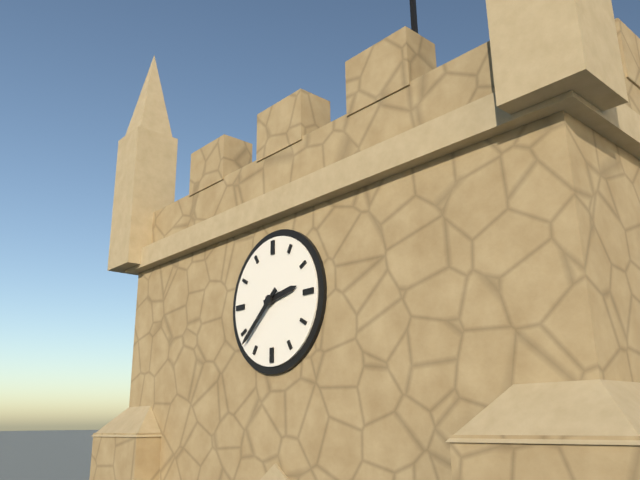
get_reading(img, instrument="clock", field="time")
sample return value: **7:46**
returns **2:38**
